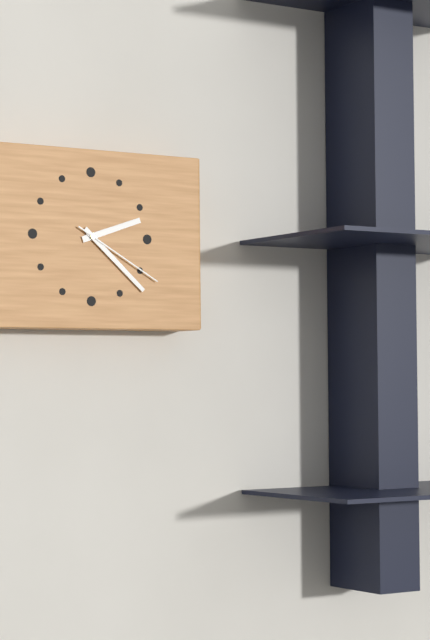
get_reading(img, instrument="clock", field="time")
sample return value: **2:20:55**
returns **2:22:20**
